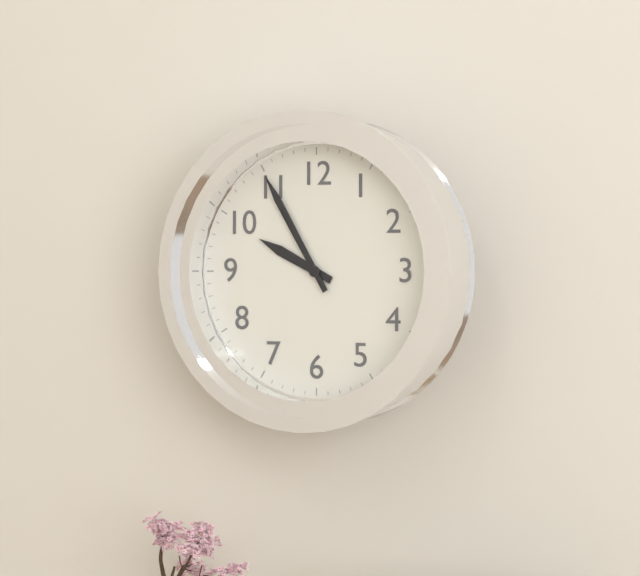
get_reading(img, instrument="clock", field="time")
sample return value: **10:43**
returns **9:55**
